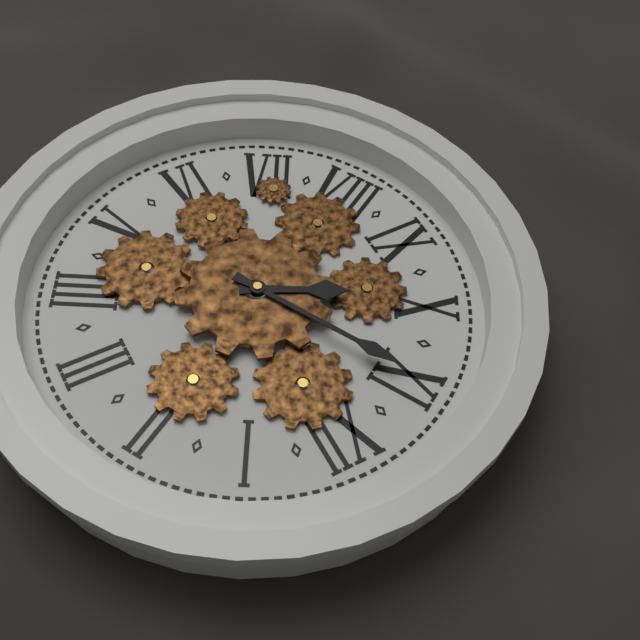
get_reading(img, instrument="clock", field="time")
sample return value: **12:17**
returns **9:55**
